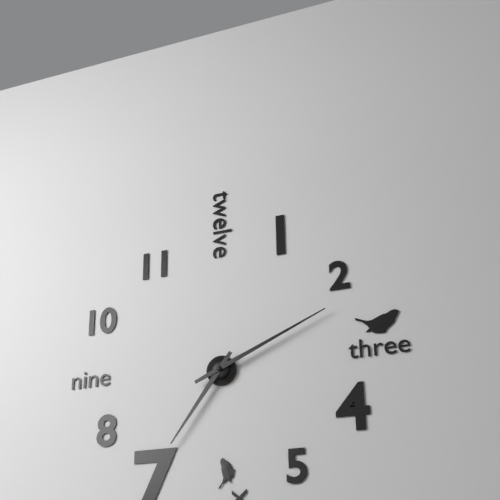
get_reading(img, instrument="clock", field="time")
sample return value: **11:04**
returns **7:11**
